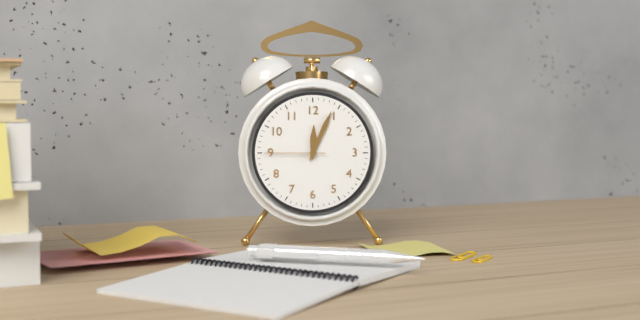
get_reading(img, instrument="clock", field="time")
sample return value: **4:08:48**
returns **12:04:45**
